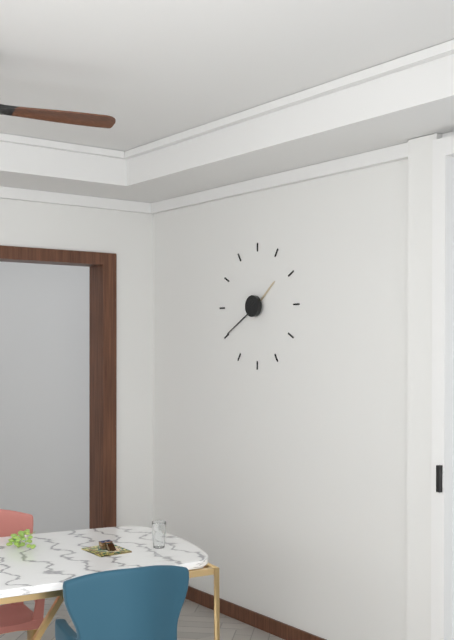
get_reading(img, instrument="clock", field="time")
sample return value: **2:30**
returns **1:40**
